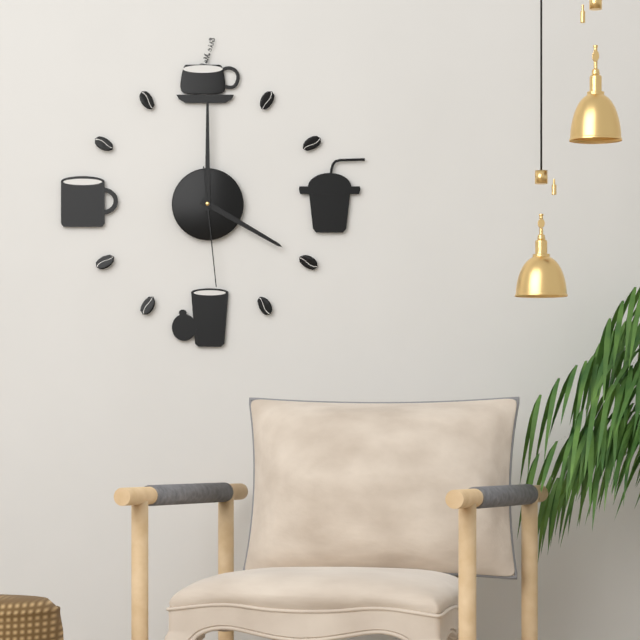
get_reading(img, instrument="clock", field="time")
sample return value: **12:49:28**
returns **4:00:29**
